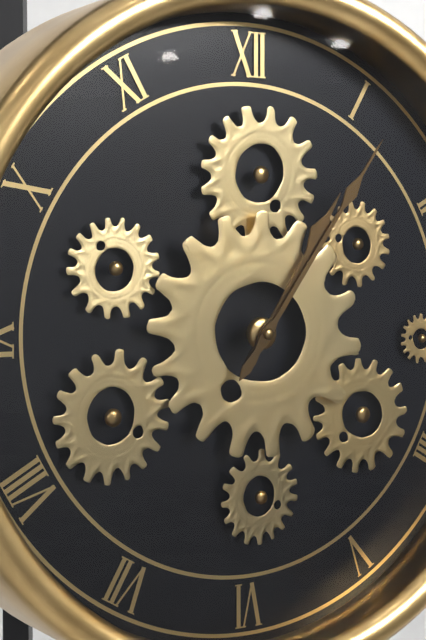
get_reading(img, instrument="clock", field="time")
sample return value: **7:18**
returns **1:06**
